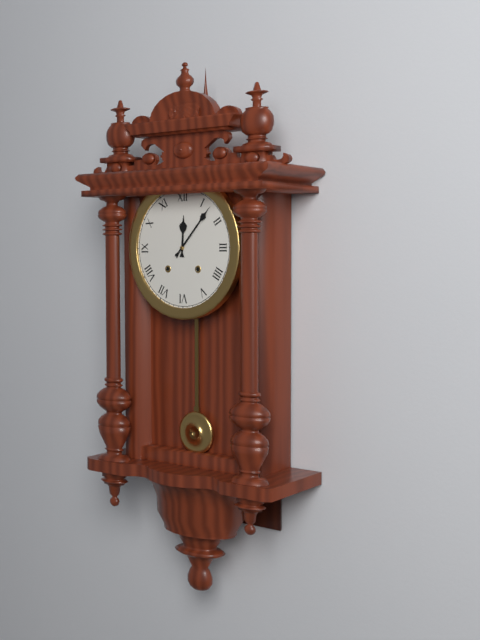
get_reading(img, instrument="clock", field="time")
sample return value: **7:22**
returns **12:07**
